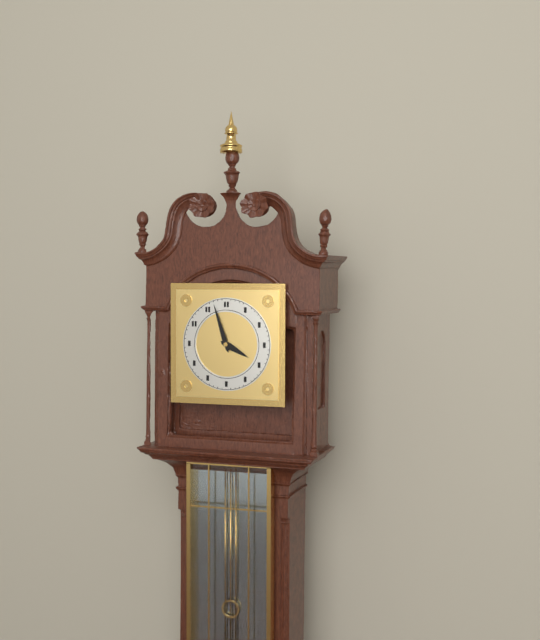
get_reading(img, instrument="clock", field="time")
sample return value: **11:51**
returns **3:57**
